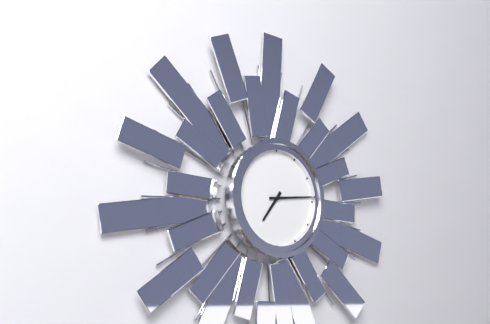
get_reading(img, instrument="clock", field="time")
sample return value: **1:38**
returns **7:14**
